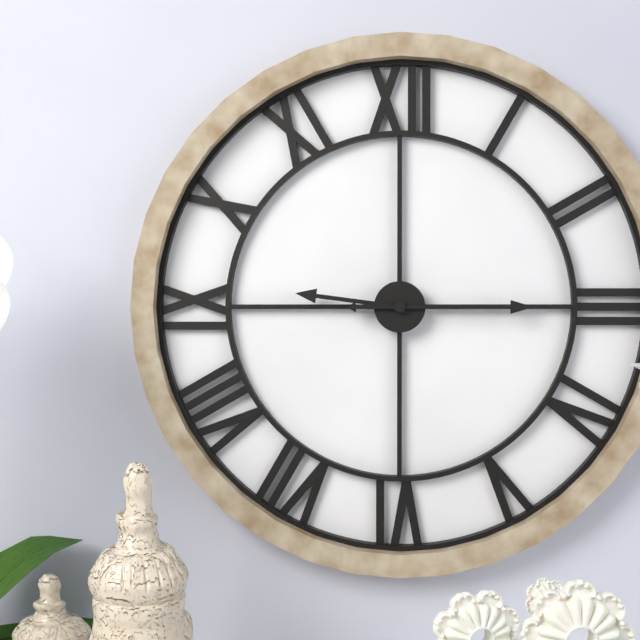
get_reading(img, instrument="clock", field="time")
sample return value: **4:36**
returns **9:15**
